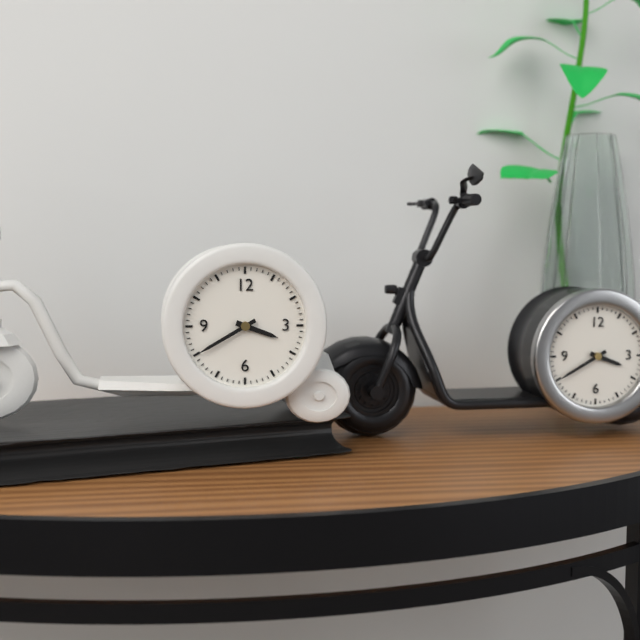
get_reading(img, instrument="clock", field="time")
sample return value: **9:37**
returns **3:40**
